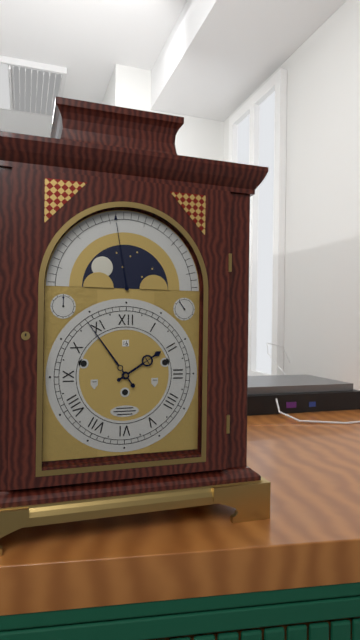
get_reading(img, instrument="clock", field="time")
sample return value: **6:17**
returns **1:54**
